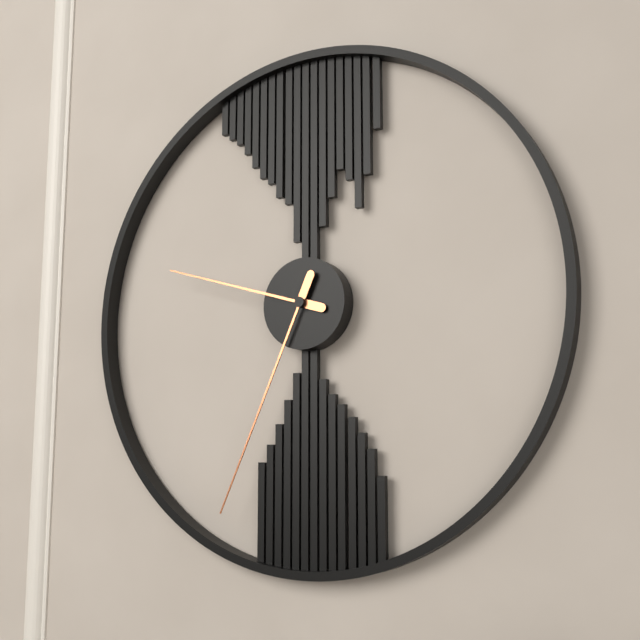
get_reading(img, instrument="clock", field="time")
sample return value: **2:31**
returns **9:34**
